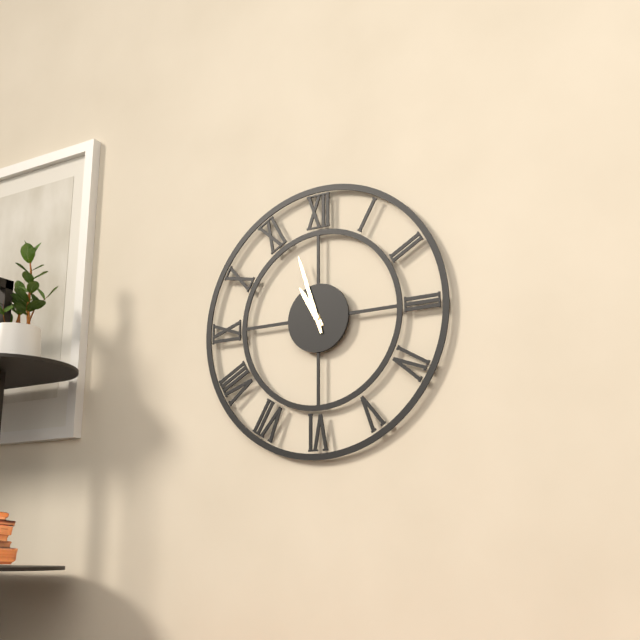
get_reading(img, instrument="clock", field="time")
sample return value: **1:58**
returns **10:57**
